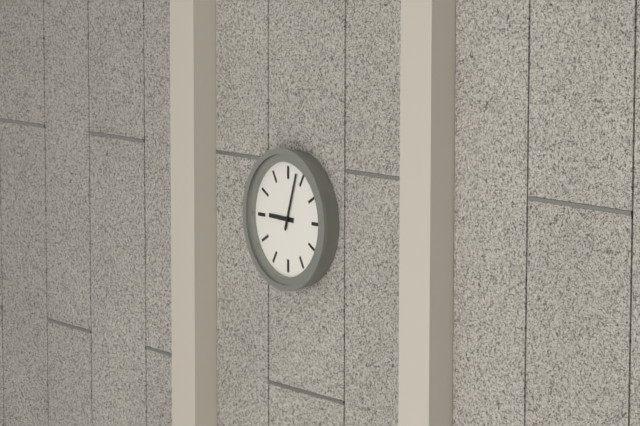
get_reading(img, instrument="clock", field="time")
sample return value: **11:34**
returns **9:03**
